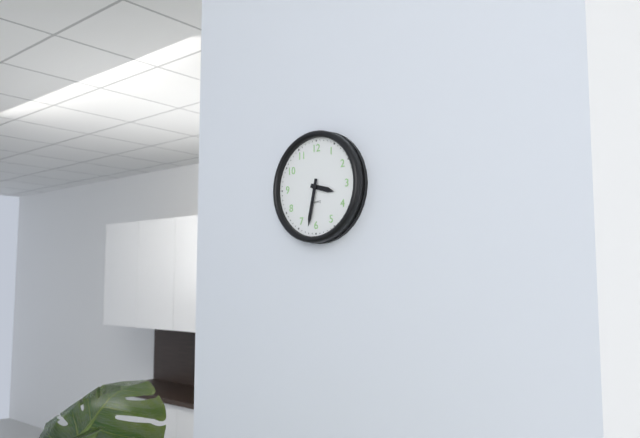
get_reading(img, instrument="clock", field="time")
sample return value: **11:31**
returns **3:32**
